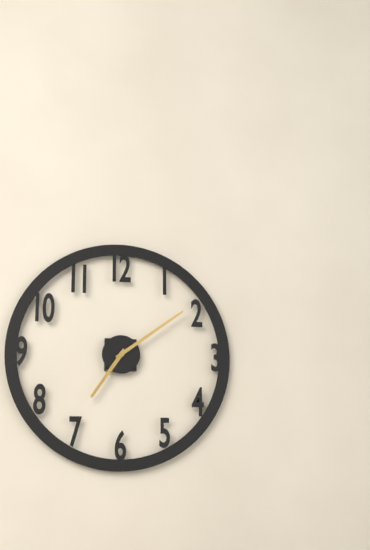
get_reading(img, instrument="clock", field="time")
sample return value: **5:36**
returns **7:09**
